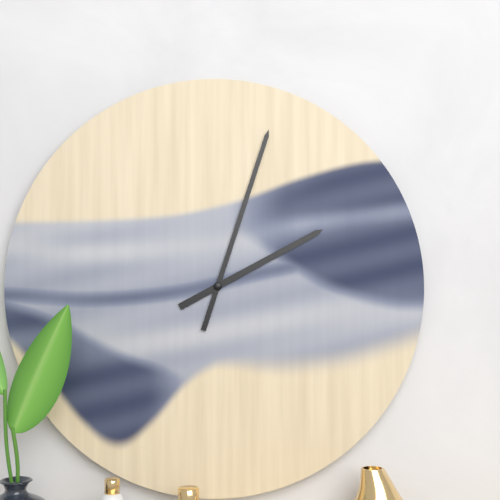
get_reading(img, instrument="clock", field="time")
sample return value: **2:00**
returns **2:03**
